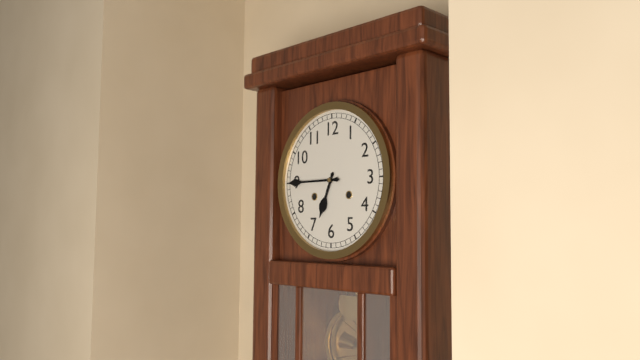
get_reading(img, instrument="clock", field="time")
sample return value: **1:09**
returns **6:45**
